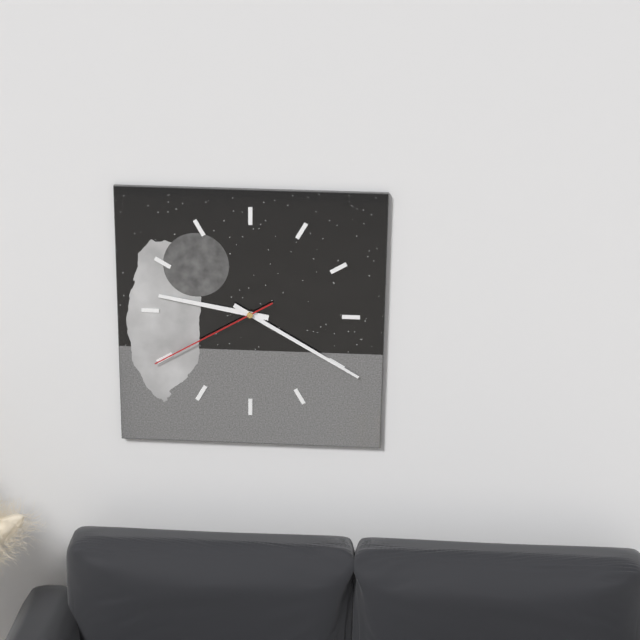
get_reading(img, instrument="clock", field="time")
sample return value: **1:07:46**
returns **9:20:40**
